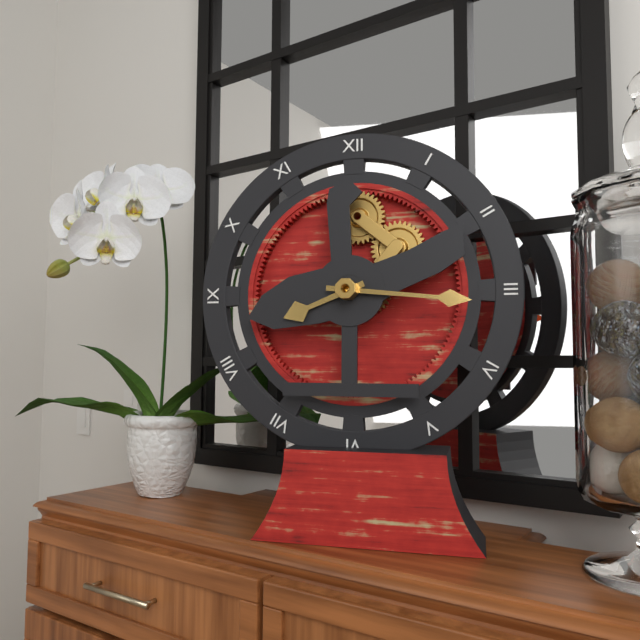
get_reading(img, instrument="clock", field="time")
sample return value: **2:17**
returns **8:16**
